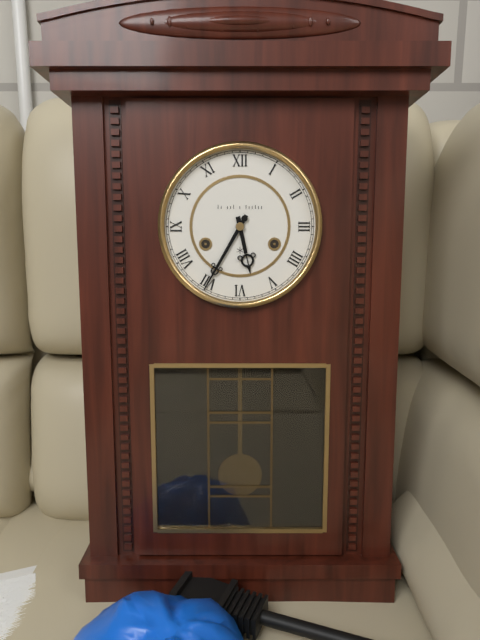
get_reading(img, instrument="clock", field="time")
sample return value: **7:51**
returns **5:35**
